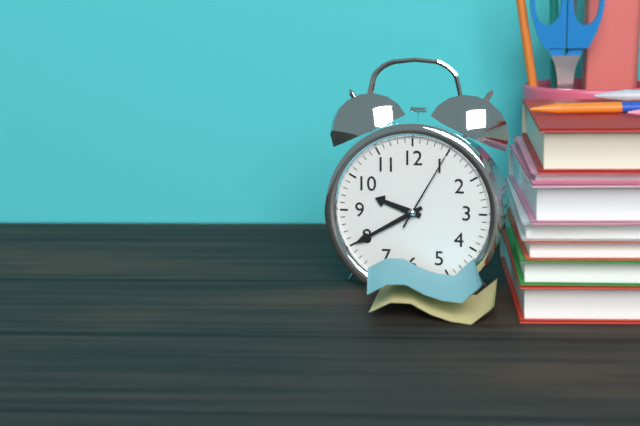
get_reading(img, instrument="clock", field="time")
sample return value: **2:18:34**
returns **9:40:05**
